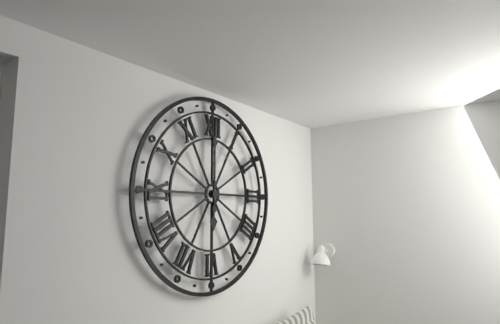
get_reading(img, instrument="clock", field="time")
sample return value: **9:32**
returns **6:00**
